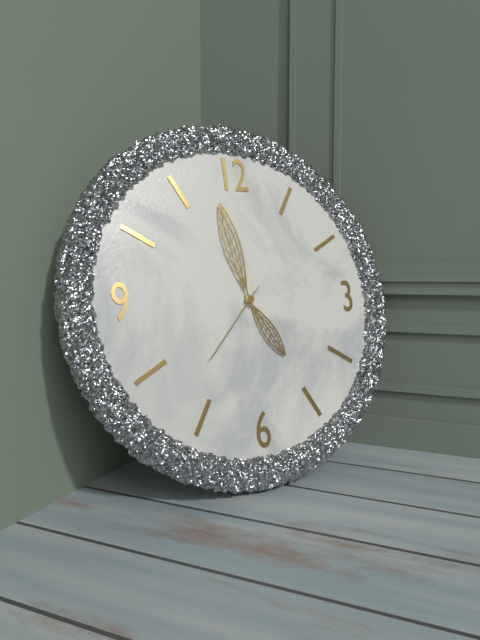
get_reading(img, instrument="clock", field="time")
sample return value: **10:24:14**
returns **4:58:37**
